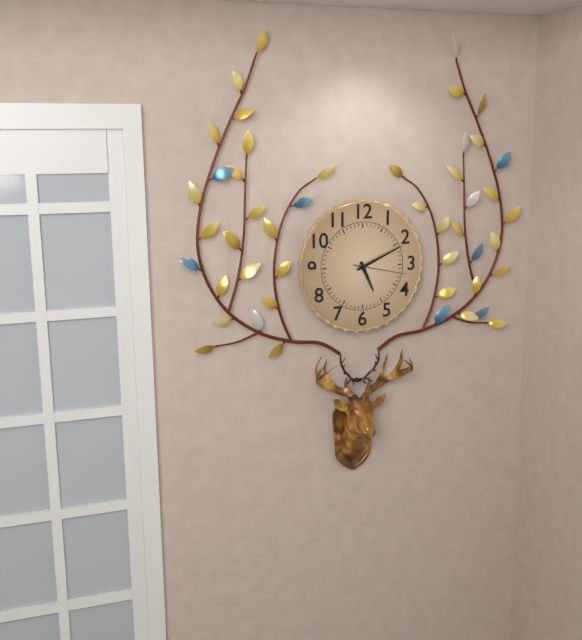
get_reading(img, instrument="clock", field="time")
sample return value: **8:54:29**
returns **5:11:17**
